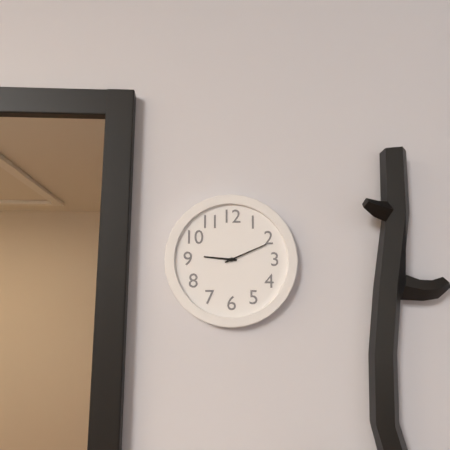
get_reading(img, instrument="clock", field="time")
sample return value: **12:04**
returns **9:11**
